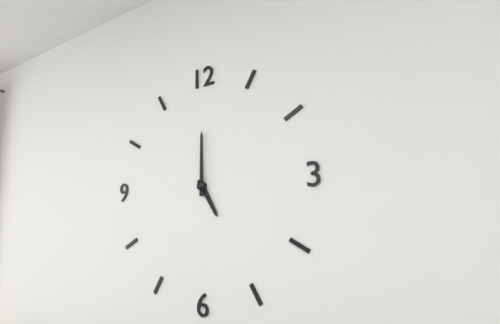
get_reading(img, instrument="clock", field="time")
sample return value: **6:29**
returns **5:00**
